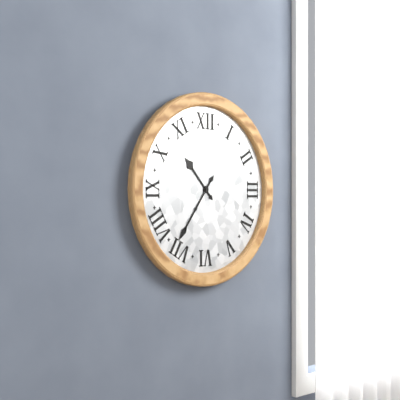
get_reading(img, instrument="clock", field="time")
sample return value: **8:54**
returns **10:36**
